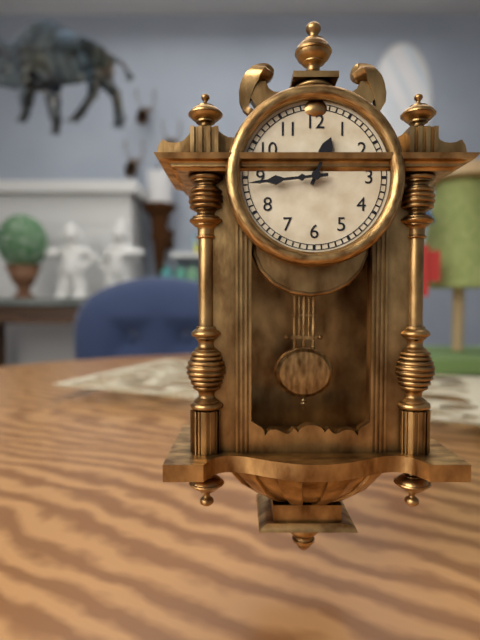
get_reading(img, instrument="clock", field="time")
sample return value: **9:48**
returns **12:44**
